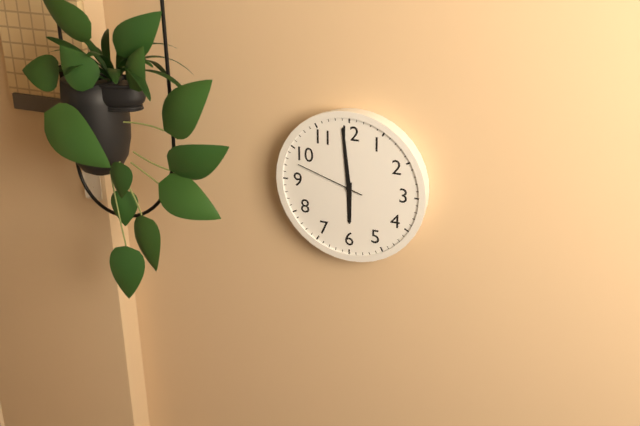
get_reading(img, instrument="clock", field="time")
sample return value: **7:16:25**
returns **5:59:48**
